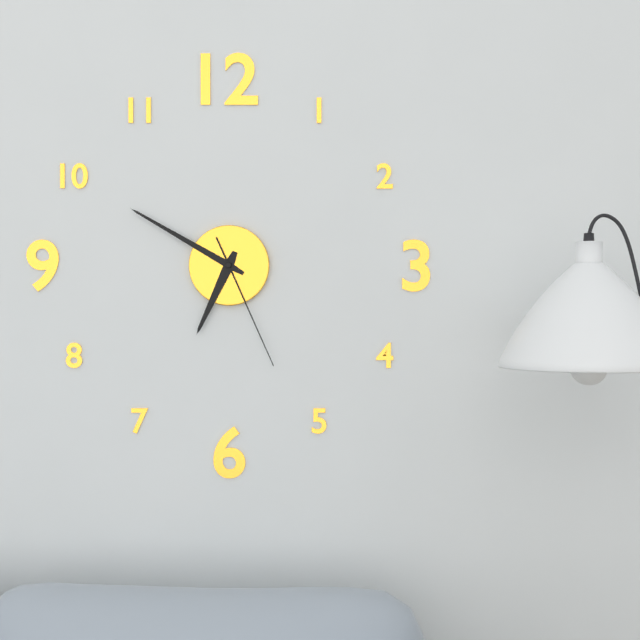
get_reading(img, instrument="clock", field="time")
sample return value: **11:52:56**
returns **6:50:26**
